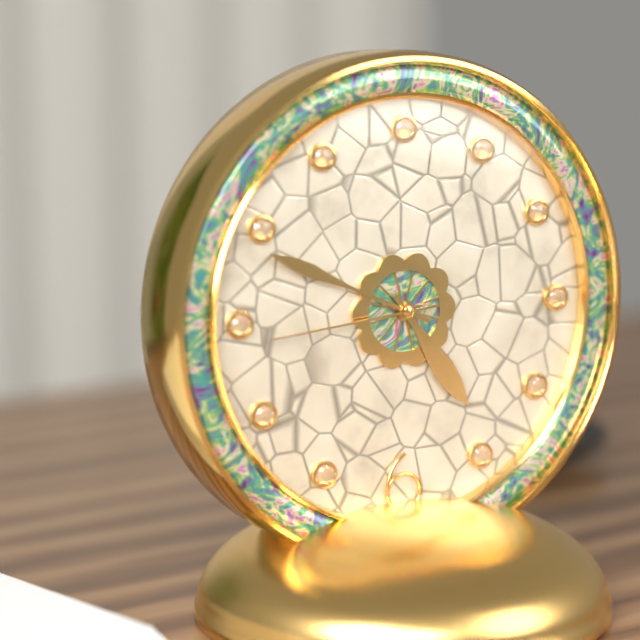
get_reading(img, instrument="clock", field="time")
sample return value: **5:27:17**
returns **4:49:44**
